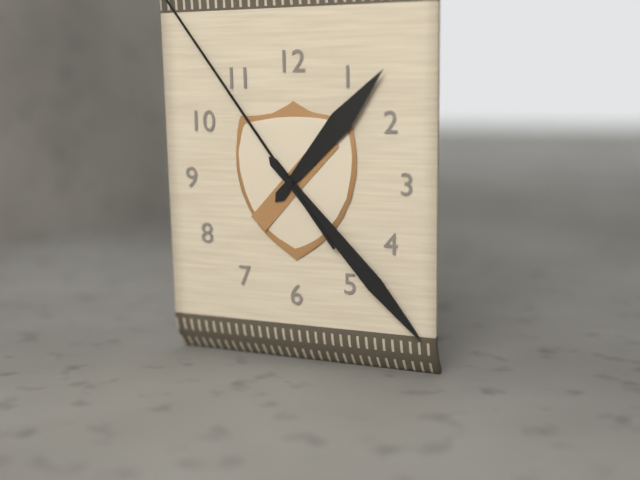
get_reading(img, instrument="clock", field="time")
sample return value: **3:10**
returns **1:23**
